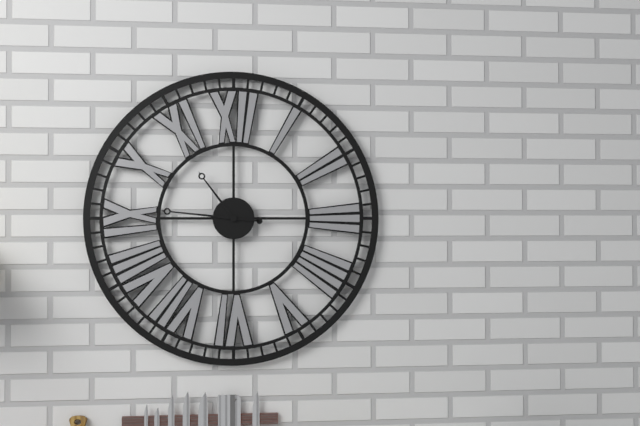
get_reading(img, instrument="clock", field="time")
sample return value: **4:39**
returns **10:46**
